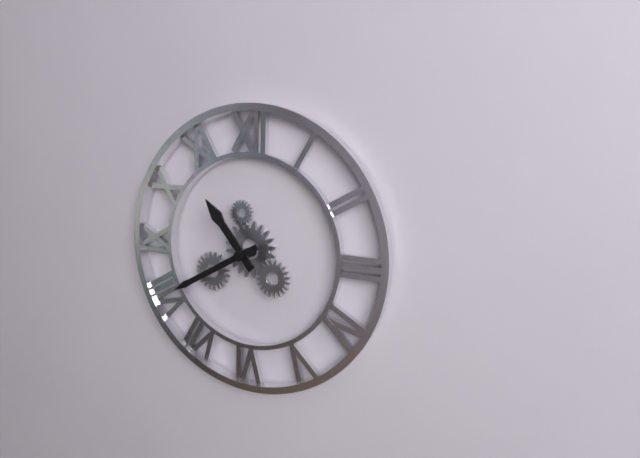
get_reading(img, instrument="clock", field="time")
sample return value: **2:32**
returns **10:40**
